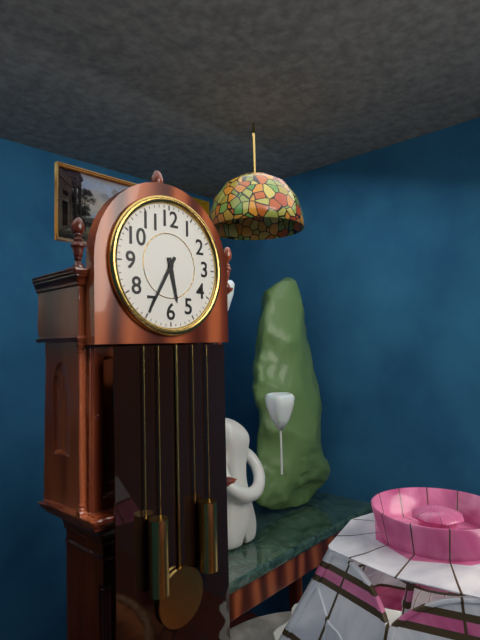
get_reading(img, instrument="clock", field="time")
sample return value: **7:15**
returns **5:35**
